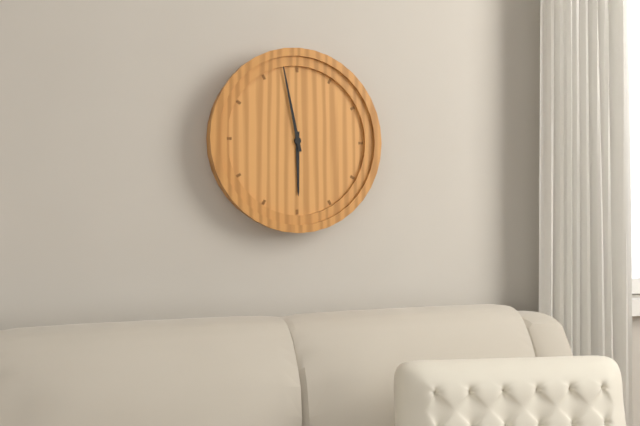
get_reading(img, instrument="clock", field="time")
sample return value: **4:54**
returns **5:58**
